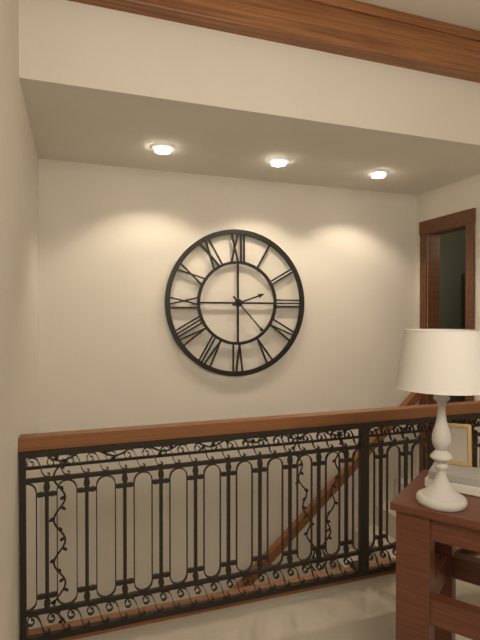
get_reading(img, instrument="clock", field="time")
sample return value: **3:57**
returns **2:23**
